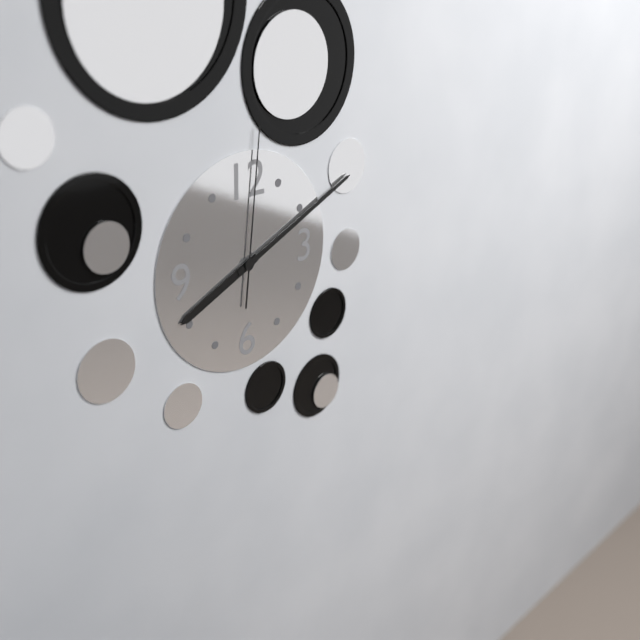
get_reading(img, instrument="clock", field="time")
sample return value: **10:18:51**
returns **8:11:01**
